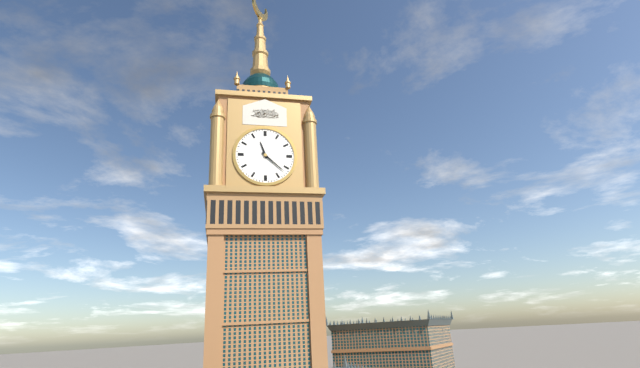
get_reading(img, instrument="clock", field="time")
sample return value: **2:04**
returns **11:22**
